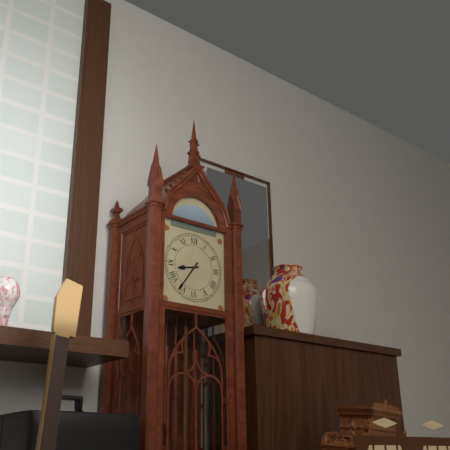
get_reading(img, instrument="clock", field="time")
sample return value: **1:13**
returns **8:36**
